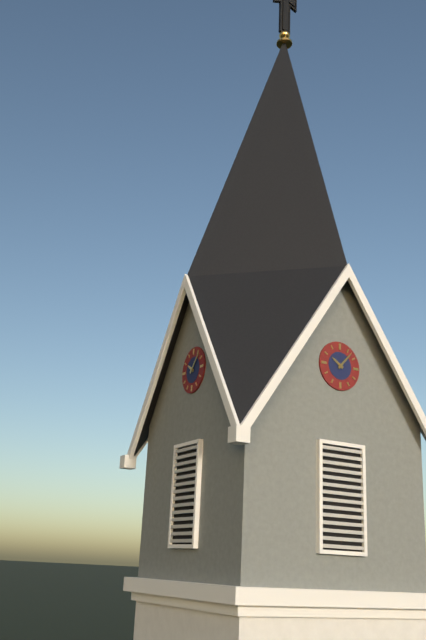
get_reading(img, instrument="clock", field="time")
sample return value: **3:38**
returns **10:07**
